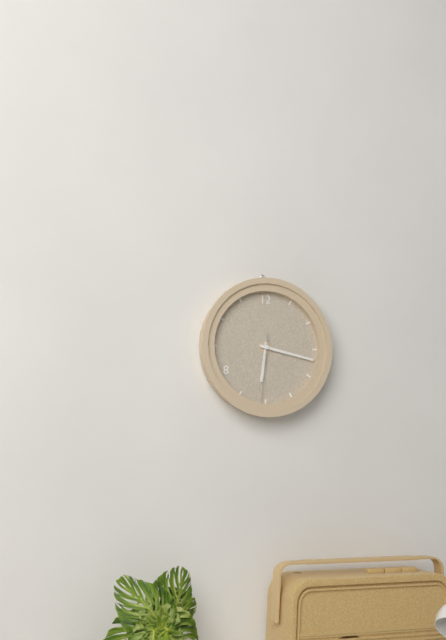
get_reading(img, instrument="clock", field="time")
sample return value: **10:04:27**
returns **6:17:31**
